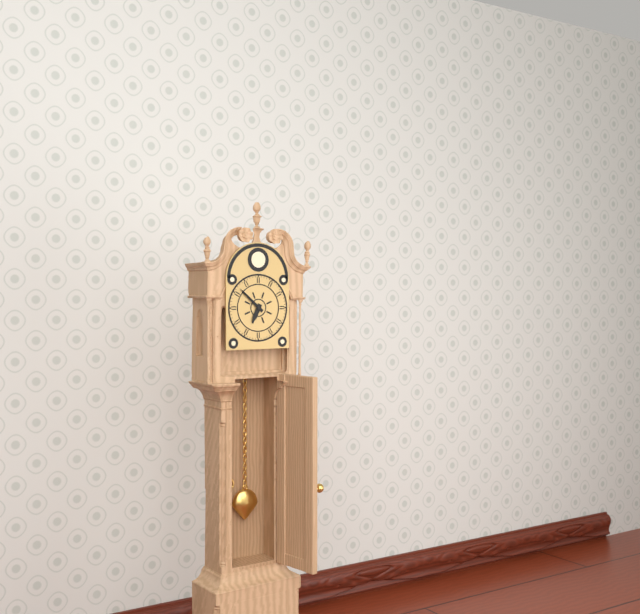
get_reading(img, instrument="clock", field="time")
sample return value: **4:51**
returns **6:52**
